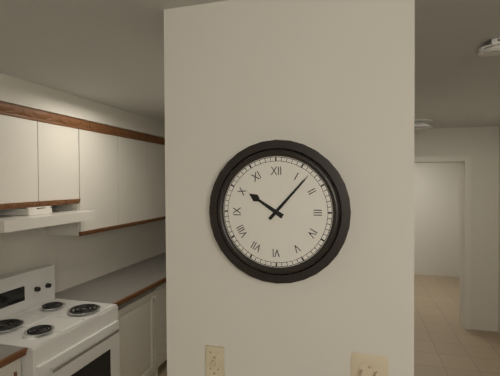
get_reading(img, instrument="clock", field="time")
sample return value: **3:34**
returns **10:07**
